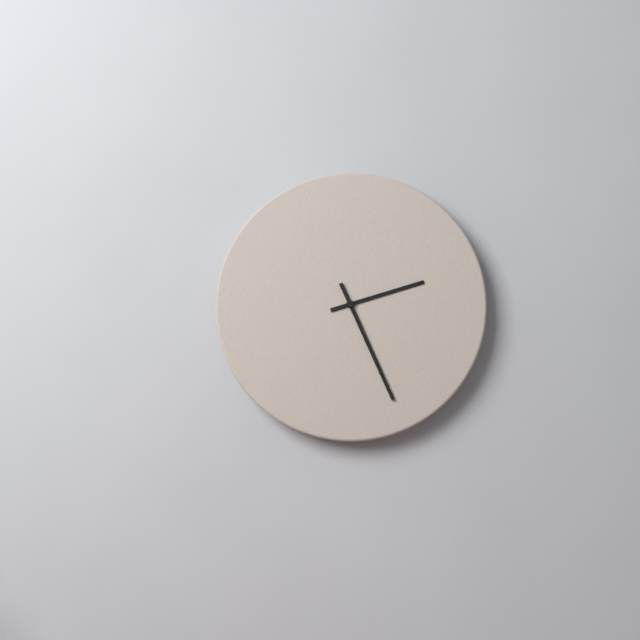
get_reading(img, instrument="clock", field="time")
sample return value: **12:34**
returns **2:26**
